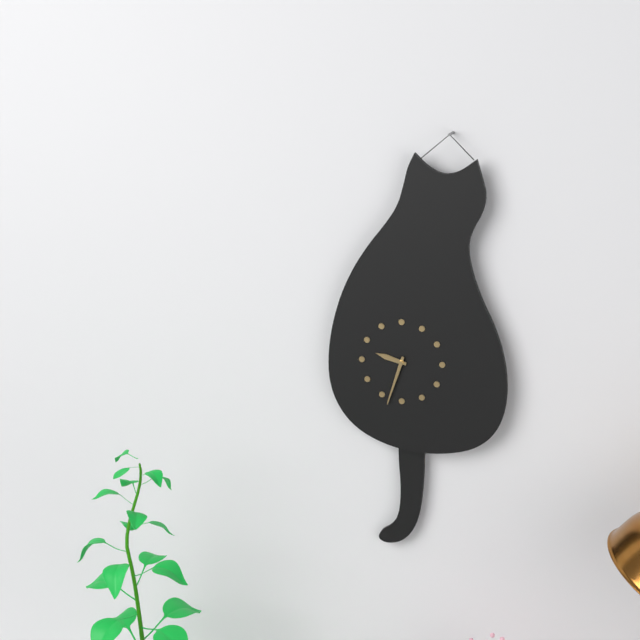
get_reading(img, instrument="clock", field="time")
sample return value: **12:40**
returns **9:33**
